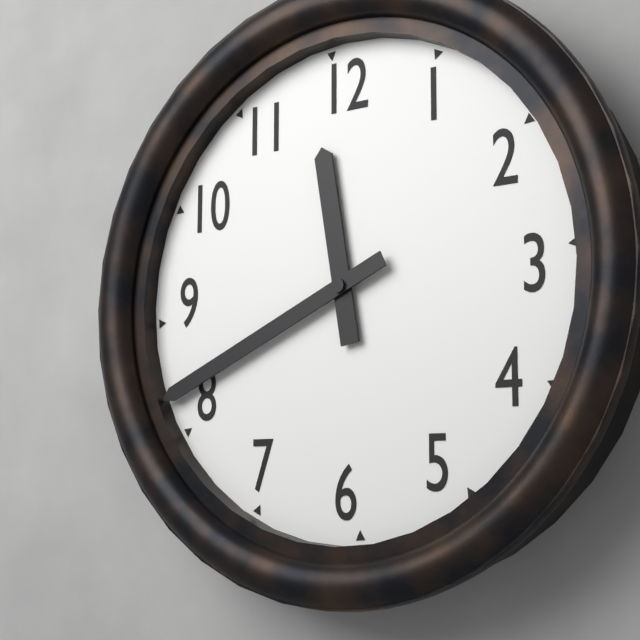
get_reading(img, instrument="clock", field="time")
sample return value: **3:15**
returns **11:41**
